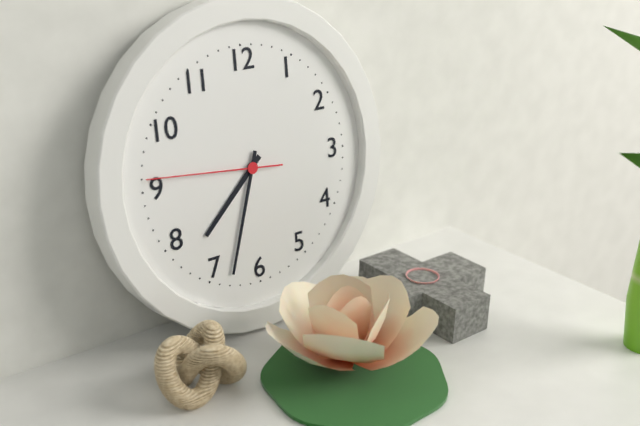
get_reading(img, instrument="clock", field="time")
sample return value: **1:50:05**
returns **7:33:46**
